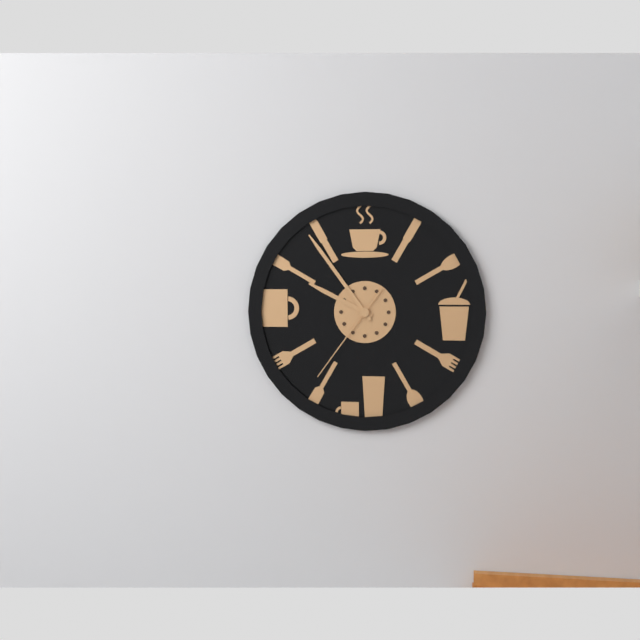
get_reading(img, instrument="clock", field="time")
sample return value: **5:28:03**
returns **9:54:36**
